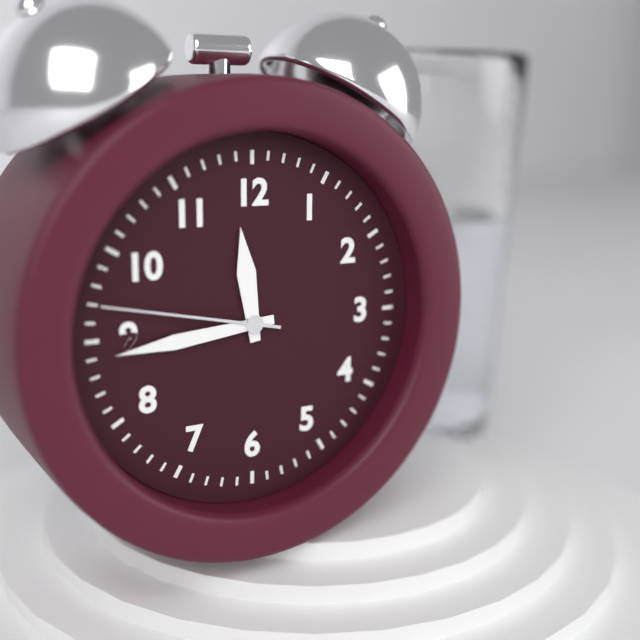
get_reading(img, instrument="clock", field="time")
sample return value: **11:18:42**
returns **11:44:47**
